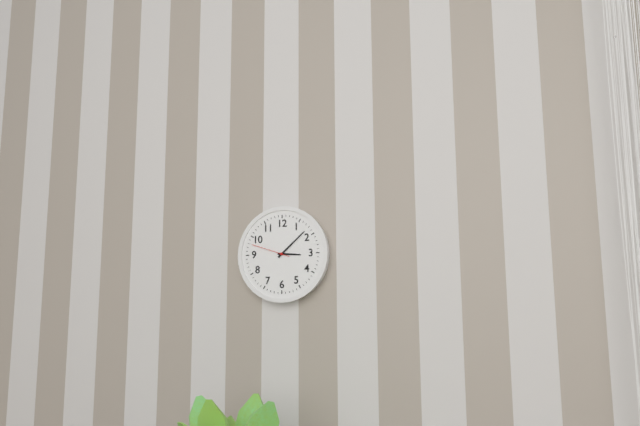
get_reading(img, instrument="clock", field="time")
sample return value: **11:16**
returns **3:08**
